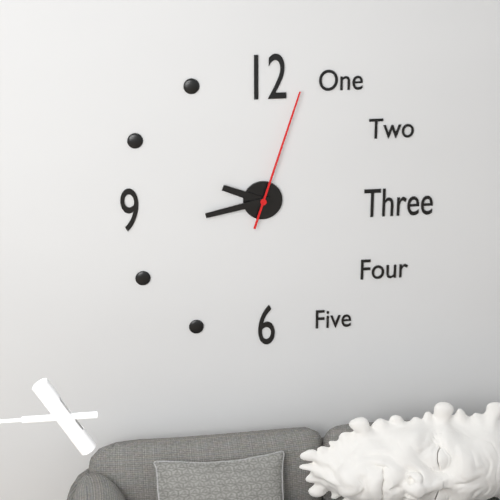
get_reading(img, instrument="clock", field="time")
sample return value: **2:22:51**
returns **9:43:03**
